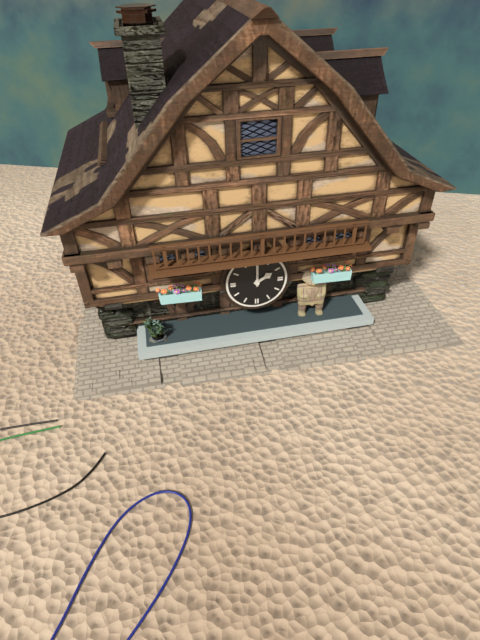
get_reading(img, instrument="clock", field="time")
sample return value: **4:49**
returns **2:00**
